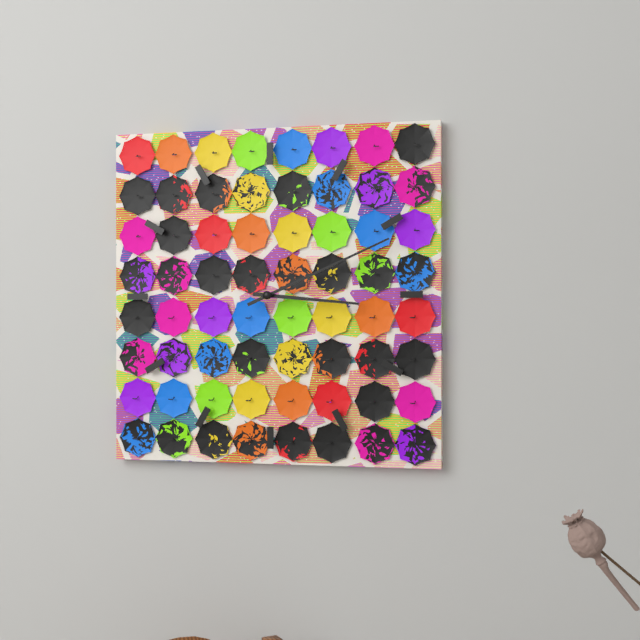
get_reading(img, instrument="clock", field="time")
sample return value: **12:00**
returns **3:11**
